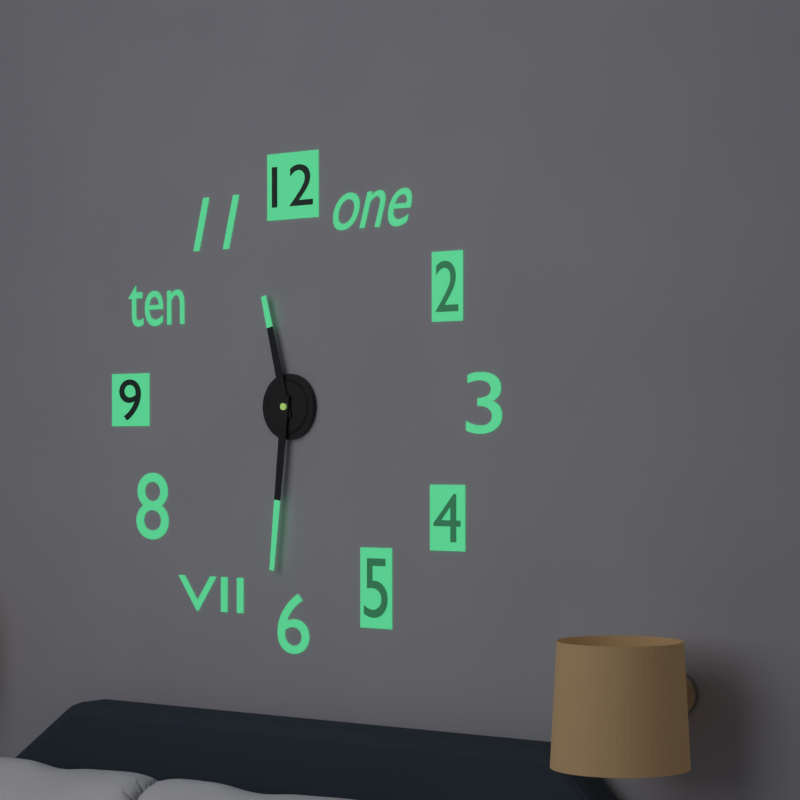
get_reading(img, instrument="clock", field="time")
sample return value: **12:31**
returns **11:31**
